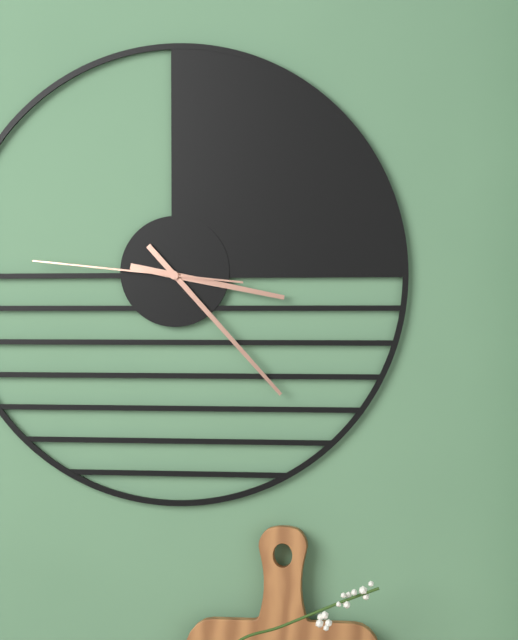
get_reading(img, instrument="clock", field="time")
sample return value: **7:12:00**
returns **3:23:46**
